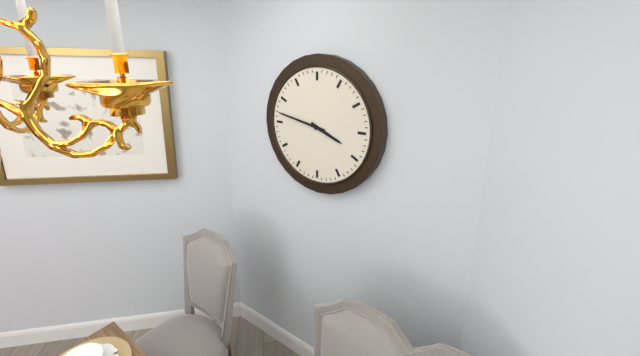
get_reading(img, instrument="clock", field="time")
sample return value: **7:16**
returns **3:47**
